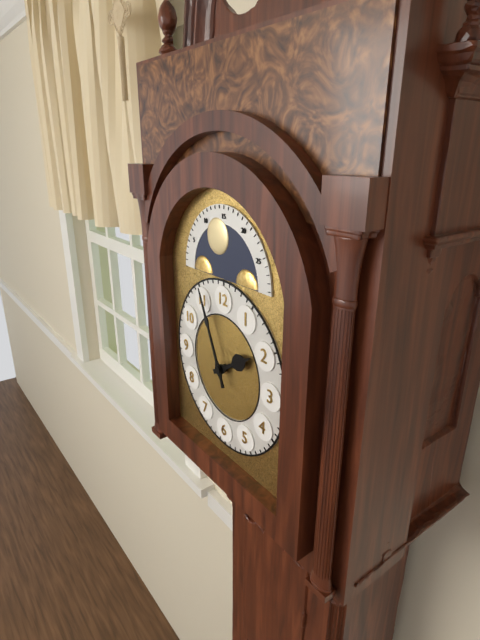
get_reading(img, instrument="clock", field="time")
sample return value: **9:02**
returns **1:56**
